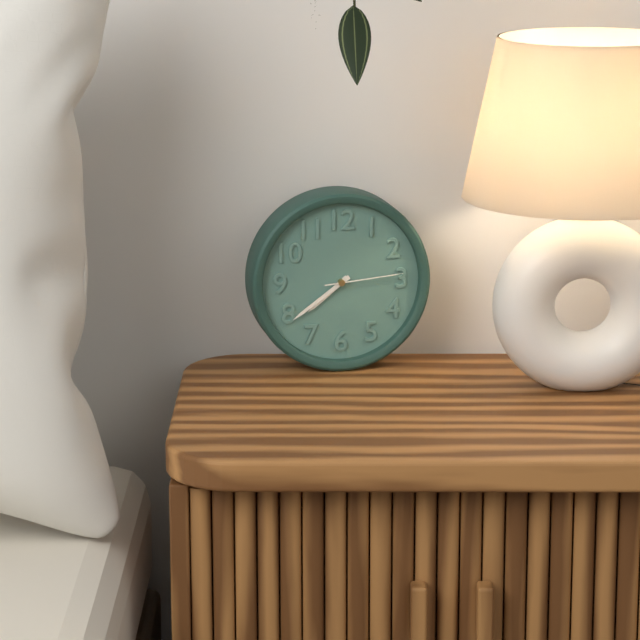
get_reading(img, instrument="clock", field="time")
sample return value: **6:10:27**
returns **7:39:14**
